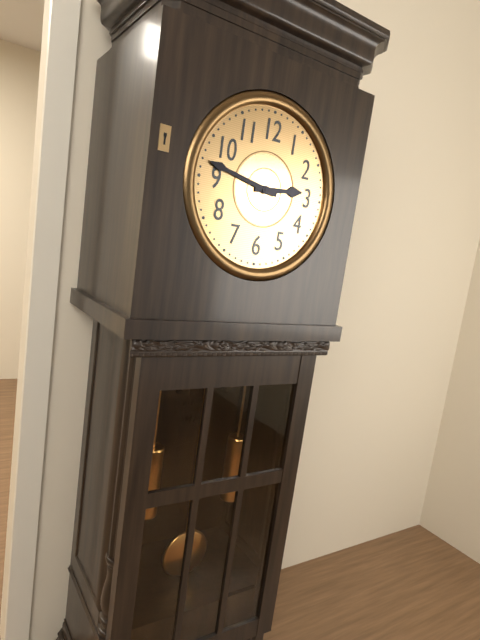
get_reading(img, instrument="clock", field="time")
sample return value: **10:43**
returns **2:47**
